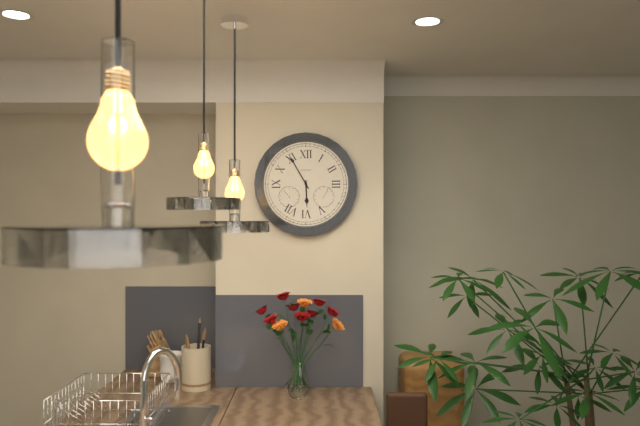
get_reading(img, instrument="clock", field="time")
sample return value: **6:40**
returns **5:55**
